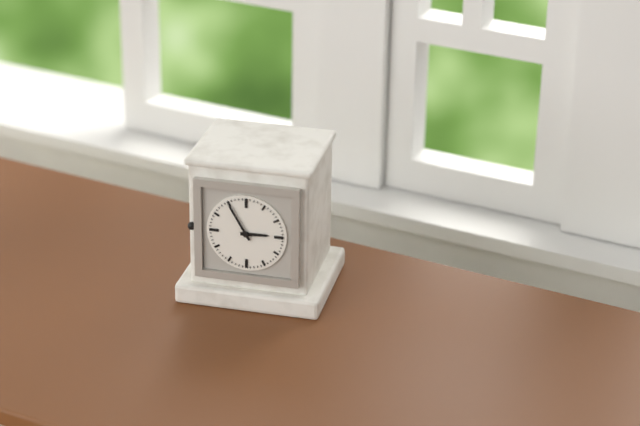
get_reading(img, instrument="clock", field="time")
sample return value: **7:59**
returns **2:55**
